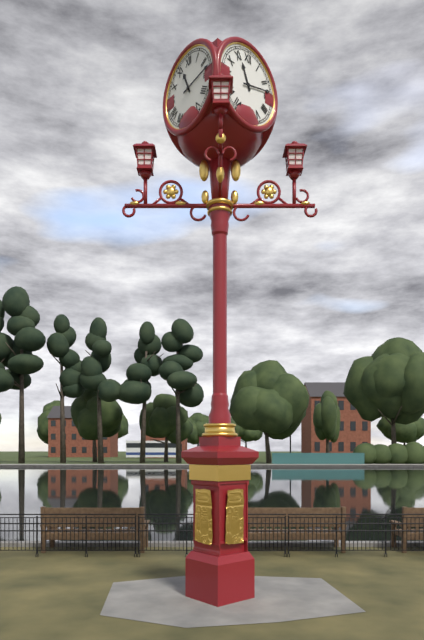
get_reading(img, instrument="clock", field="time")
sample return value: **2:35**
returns **11:13**
